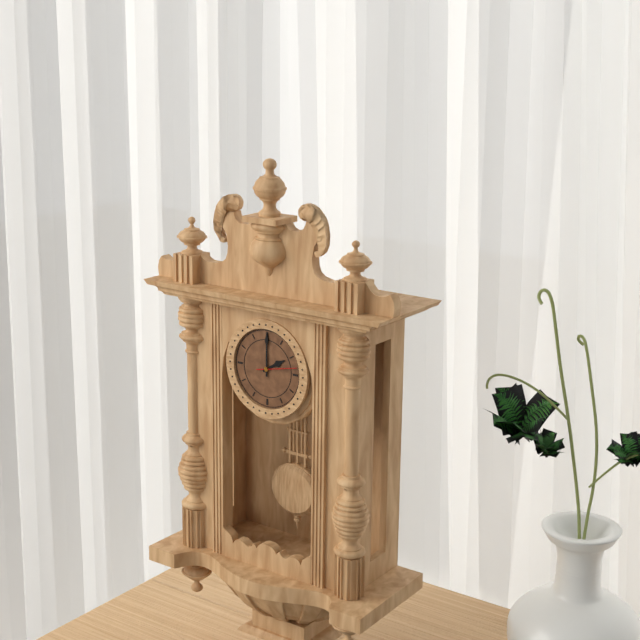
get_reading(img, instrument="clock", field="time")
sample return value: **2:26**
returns **2:00**
